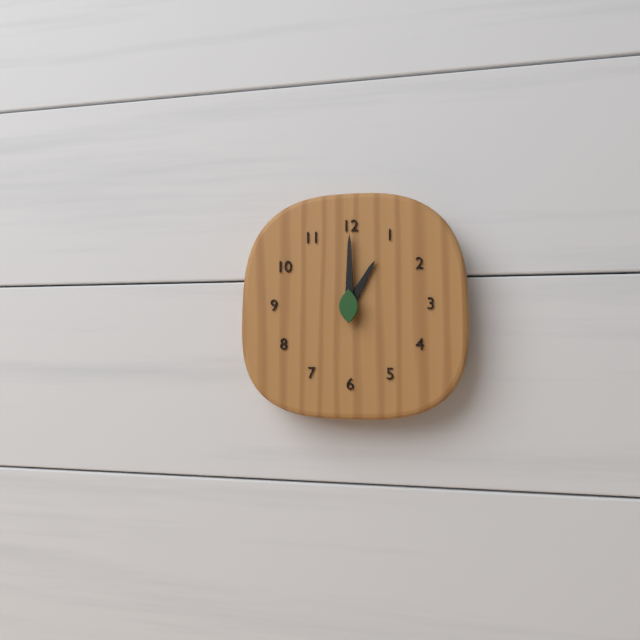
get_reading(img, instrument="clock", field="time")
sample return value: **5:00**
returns **1:00**
